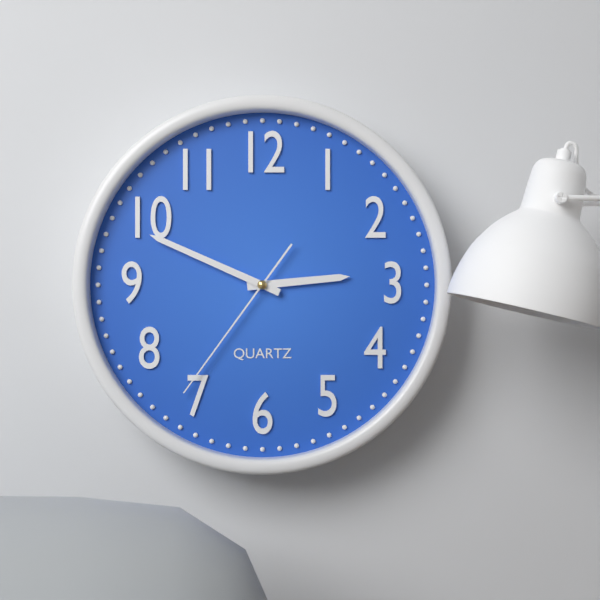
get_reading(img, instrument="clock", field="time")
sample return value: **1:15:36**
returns **2:49:36**
